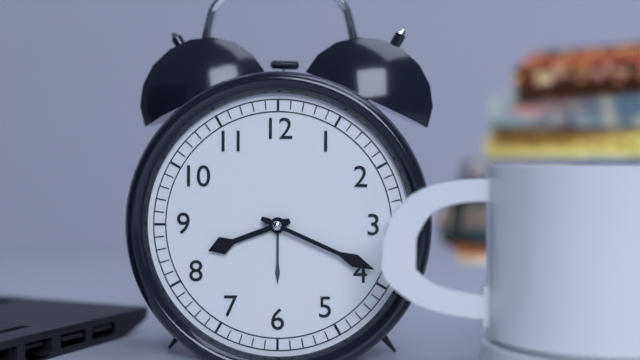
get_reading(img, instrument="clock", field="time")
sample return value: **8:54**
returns **8:19**
